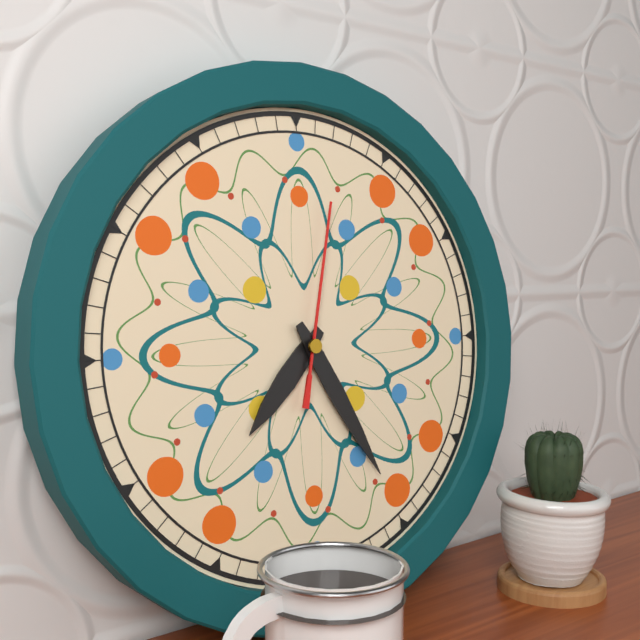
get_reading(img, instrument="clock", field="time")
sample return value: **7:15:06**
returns **7:25:02**
